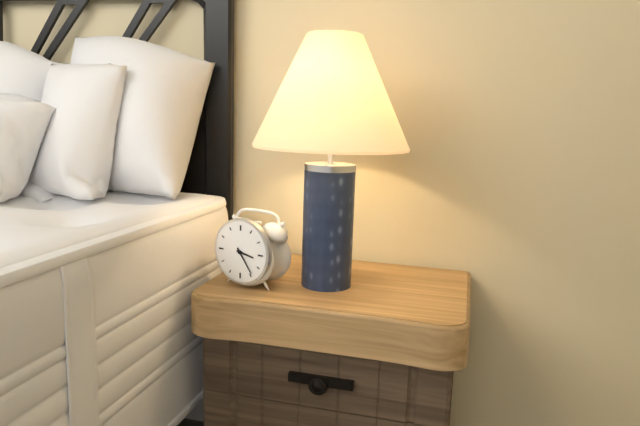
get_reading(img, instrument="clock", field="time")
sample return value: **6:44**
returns **3:24**
